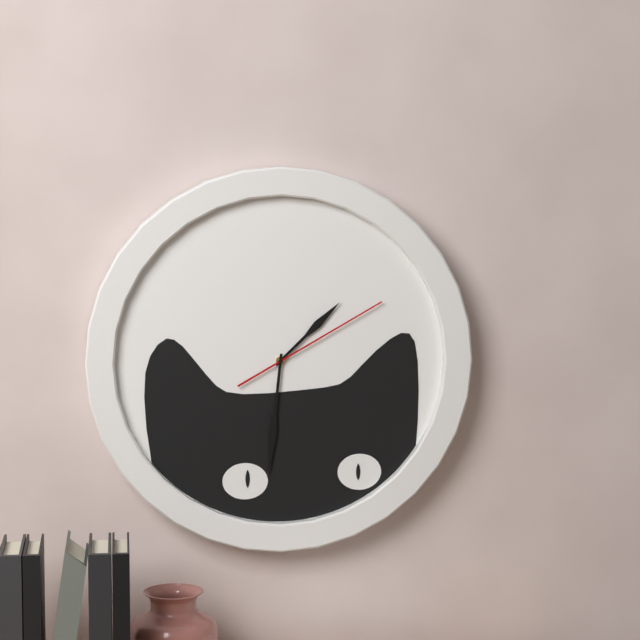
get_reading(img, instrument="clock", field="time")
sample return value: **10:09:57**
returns **1:31:10**
